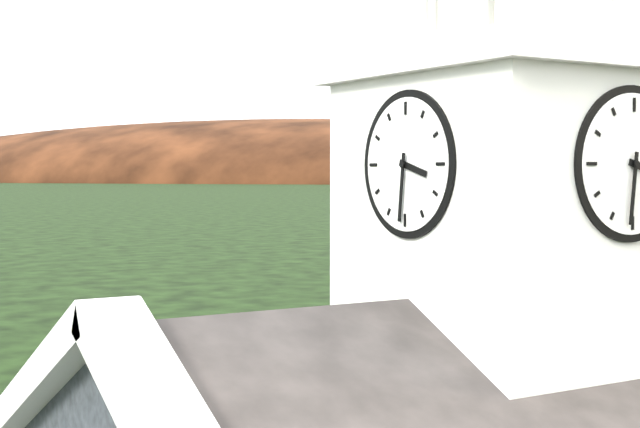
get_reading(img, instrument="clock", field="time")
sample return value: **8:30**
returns **3:31**
